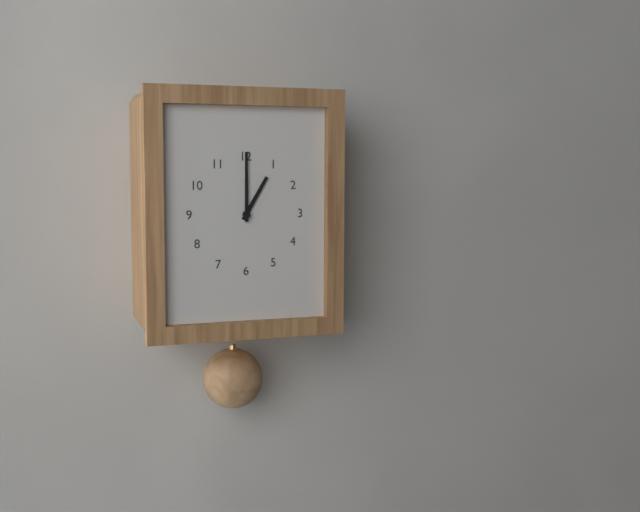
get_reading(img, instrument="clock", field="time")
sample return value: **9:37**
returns **1:00**
